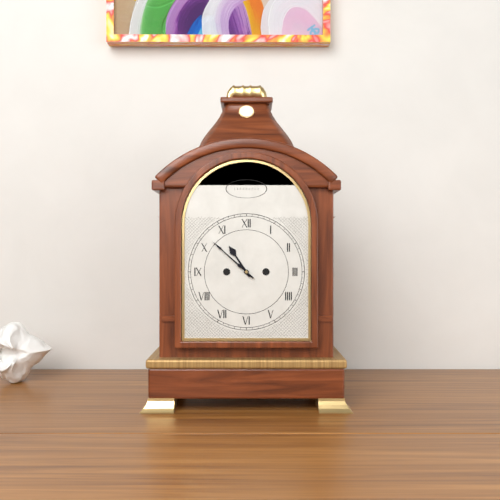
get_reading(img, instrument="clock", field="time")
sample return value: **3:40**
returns **10:52**
